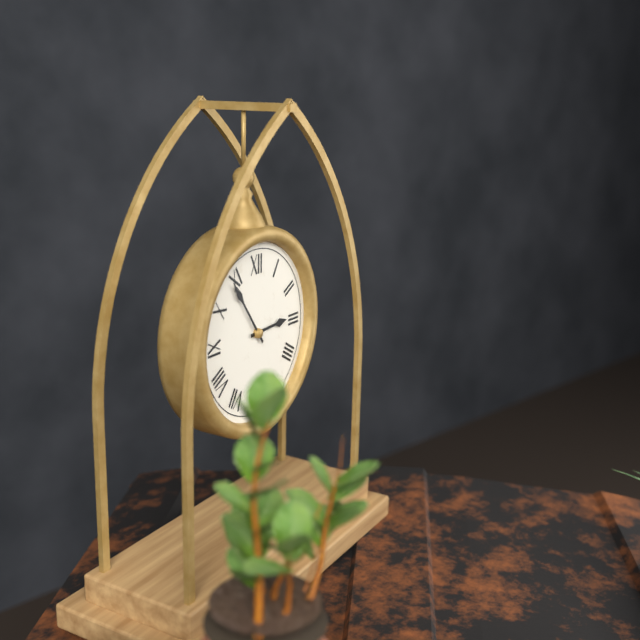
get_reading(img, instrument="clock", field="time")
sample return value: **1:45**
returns **2:54**
